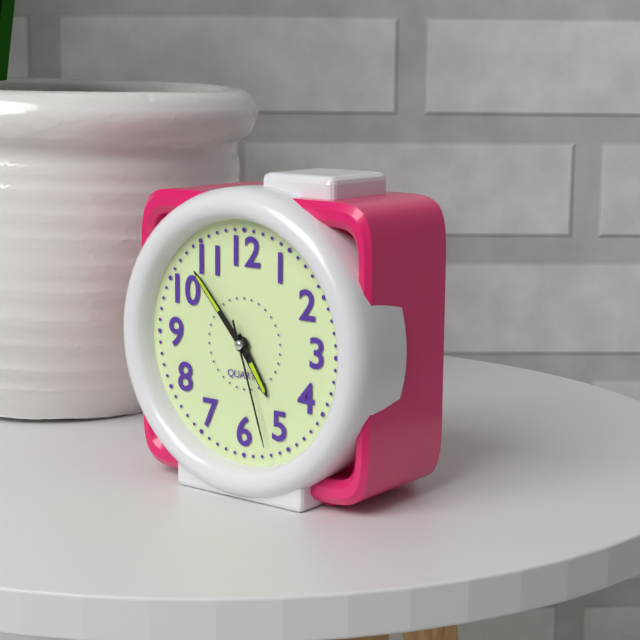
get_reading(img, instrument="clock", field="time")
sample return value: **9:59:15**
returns **4:53:27**
